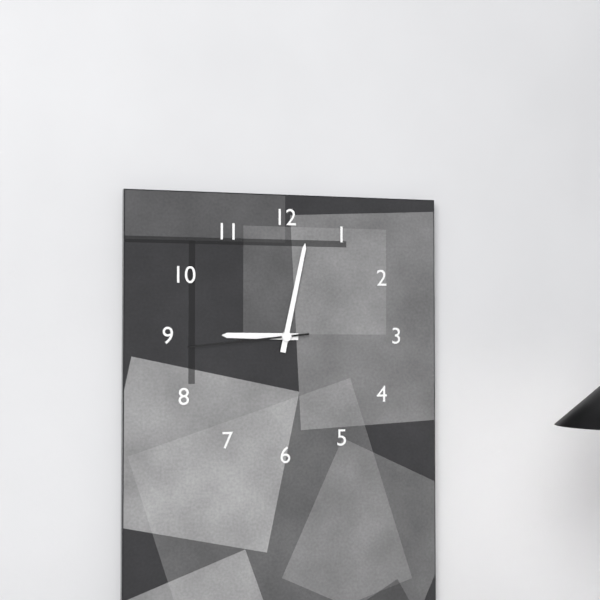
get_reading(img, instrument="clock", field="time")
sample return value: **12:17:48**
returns **9:02:44**
